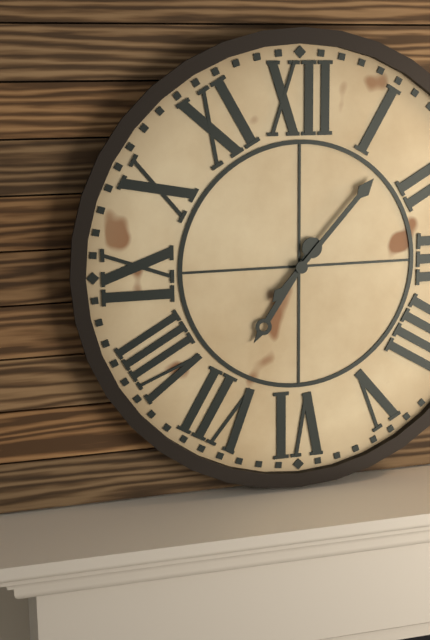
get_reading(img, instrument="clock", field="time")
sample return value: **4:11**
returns **7:07**
